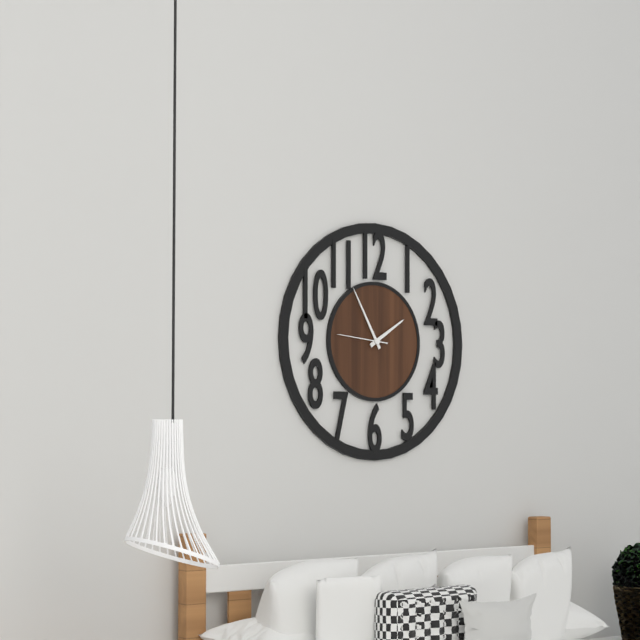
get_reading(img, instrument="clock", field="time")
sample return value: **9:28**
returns **1:55**
